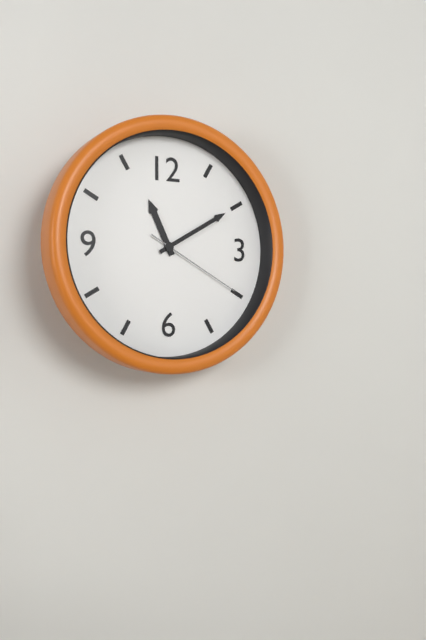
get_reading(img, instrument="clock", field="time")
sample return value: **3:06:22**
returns **11:10:20**
